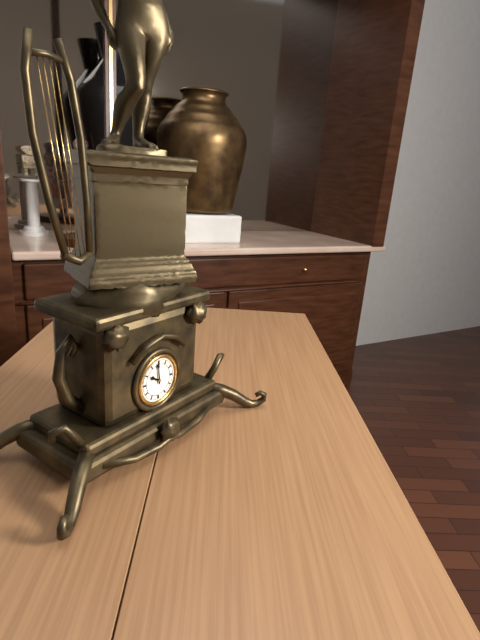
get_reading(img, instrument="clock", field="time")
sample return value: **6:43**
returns **9:59**
